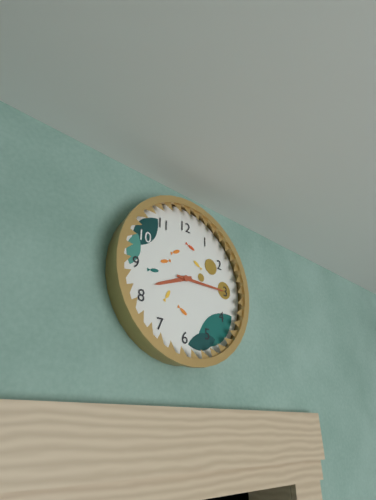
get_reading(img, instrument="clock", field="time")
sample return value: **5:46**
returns **8:15**
